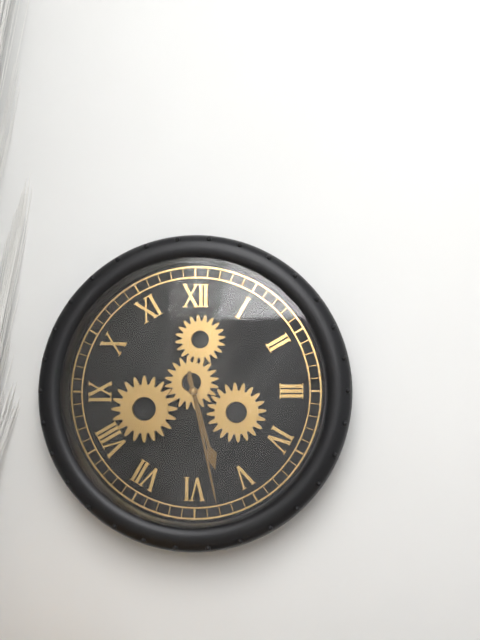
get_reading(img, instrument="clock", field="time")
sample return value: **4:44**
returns **5:28**
